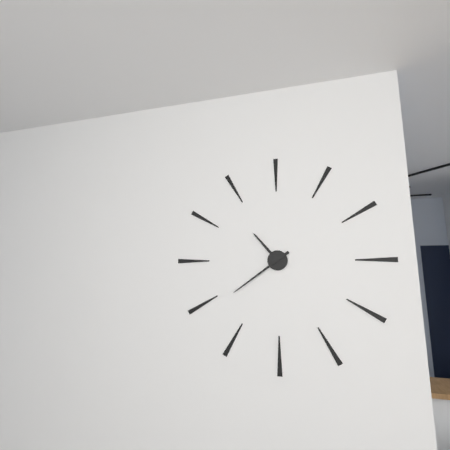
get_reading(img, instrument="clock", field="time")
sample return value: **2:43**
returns **10:39**
